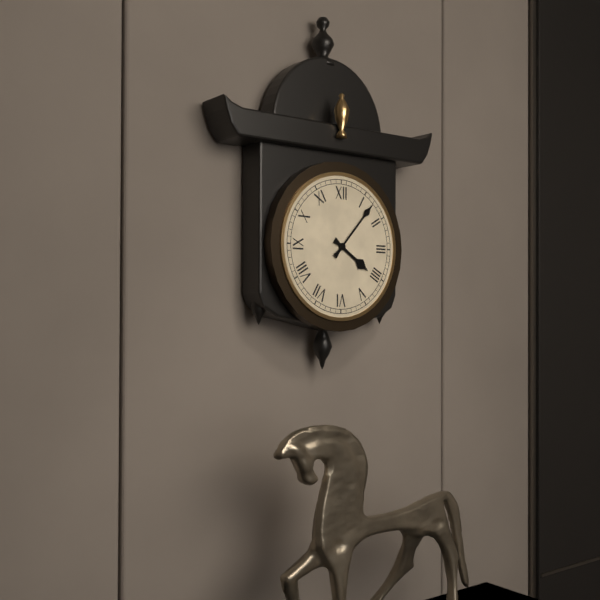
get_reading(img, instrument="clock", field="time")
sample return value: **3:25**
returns **4:07**
